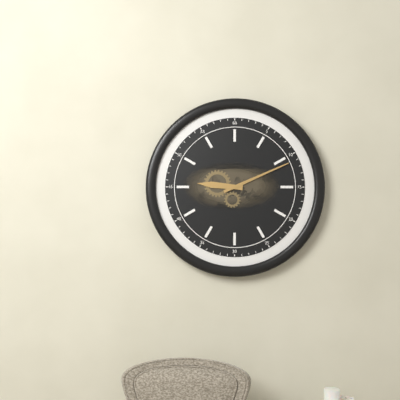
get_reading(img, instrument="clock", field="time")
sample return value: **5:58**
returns **9:11**
